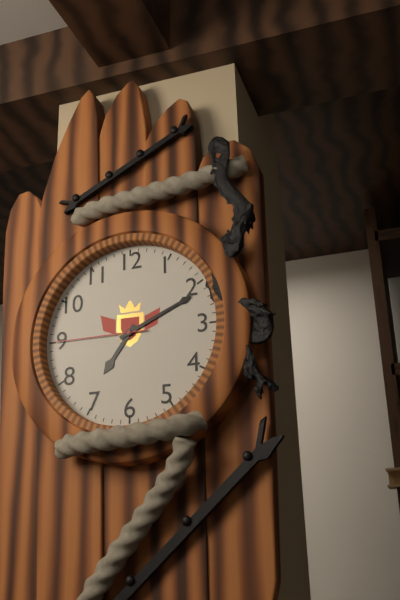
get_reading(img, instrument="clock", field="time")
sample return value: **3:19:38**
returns **7:11:45**
